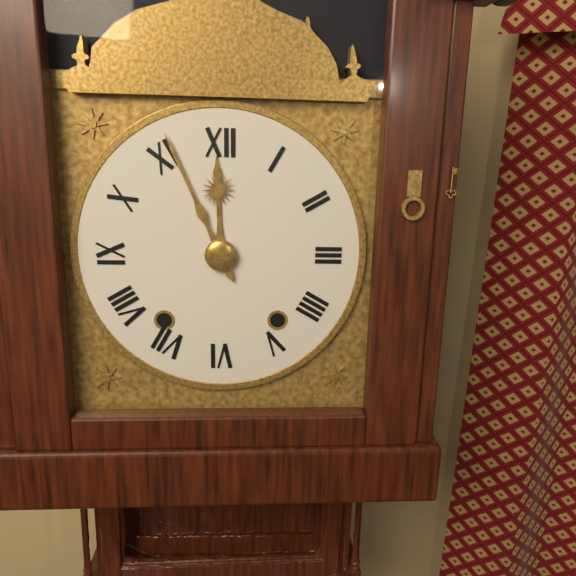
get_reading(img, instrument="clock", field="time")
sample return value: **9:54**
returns **11:56**
